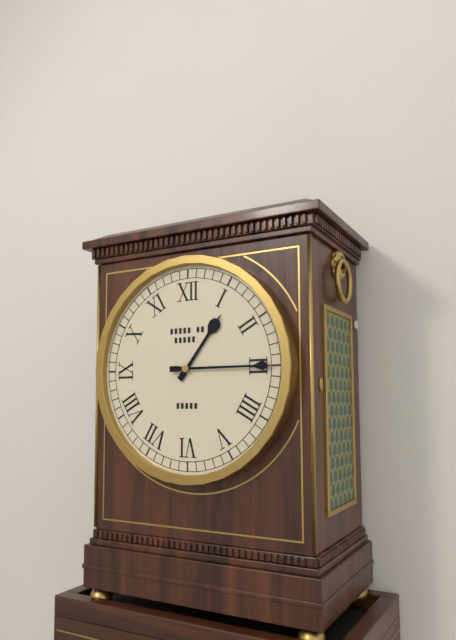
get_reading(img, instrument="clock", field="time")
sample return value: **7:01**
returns **1:15**
